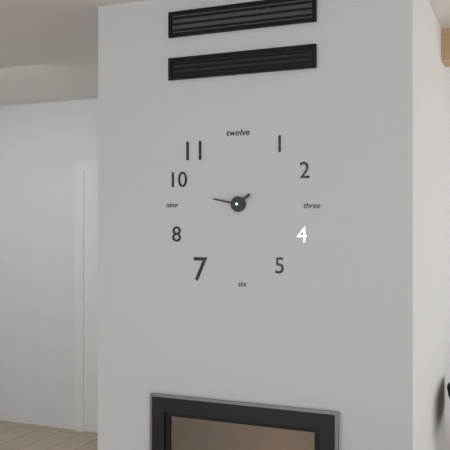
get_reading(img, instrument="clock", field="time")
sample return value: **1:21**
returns **1:47**
